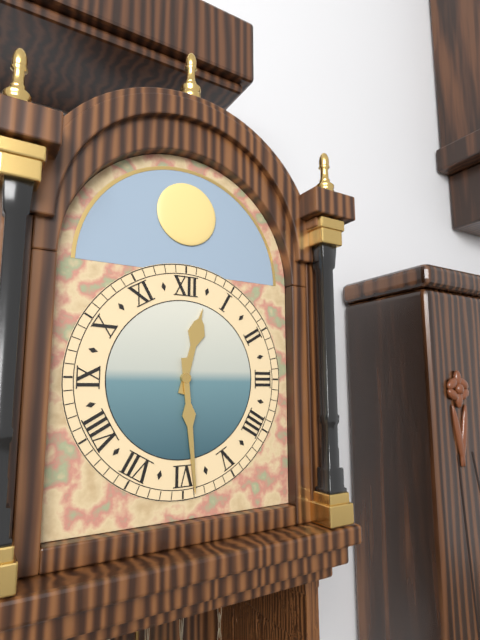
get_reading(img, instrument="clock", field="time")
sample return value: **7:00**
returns **12:29**
